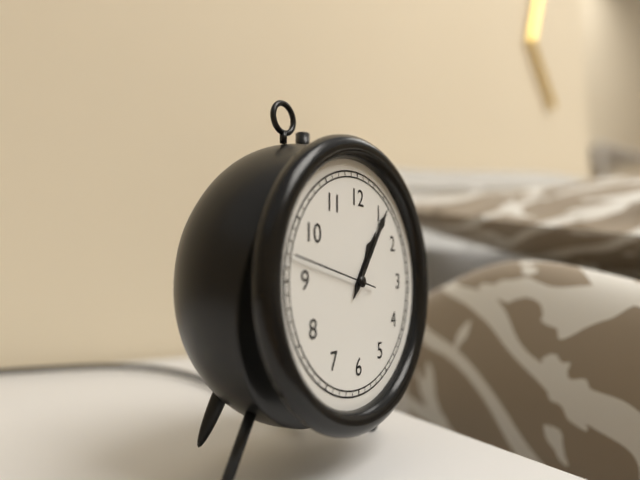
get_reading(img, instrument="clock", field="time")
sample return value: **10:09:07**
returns **1:06:47**
